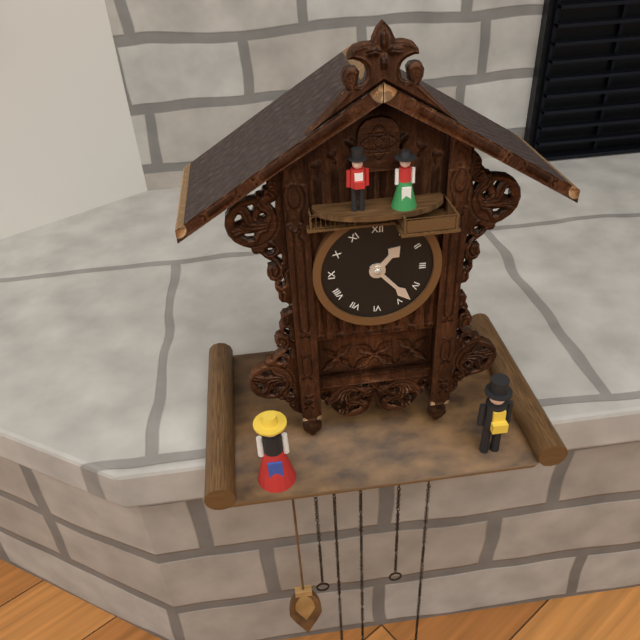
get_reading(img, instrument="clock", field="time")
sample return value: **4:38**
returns **1:23**
